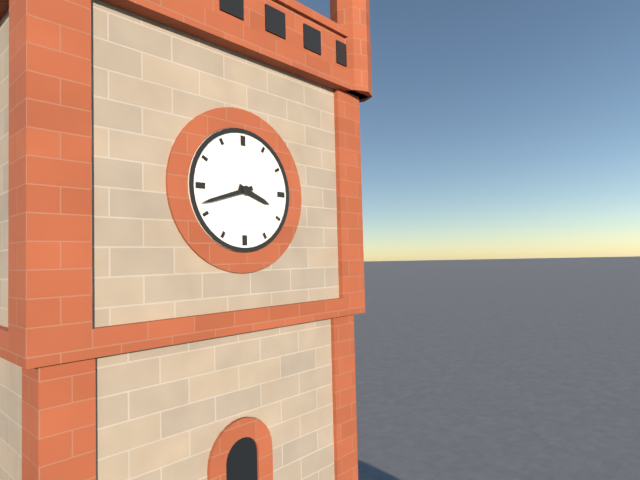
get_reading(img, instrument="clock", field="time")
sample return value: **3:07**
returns **3:42**
